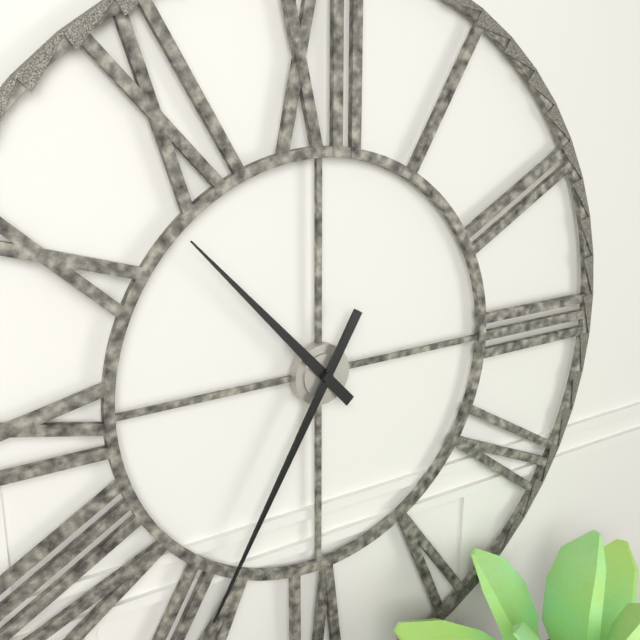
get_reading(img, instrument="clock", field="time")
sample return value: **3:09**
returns **10:35**
